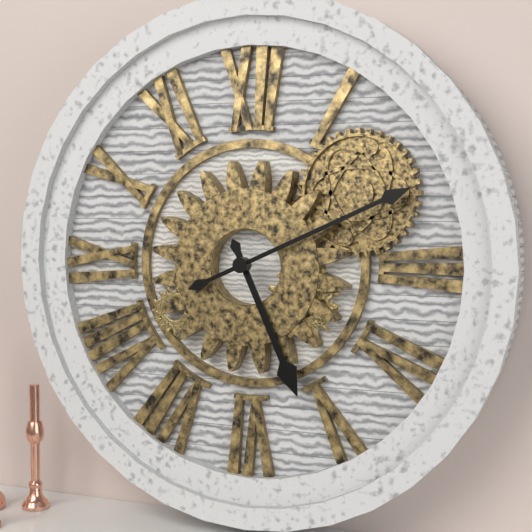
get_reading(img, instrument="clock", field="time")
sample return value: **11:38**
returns **5:11**
